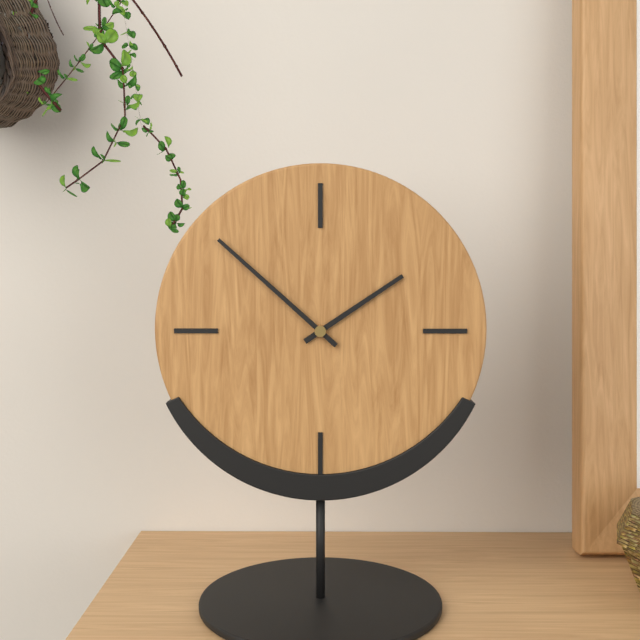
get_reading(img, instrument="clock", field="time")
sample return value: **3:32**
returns **1:52**
